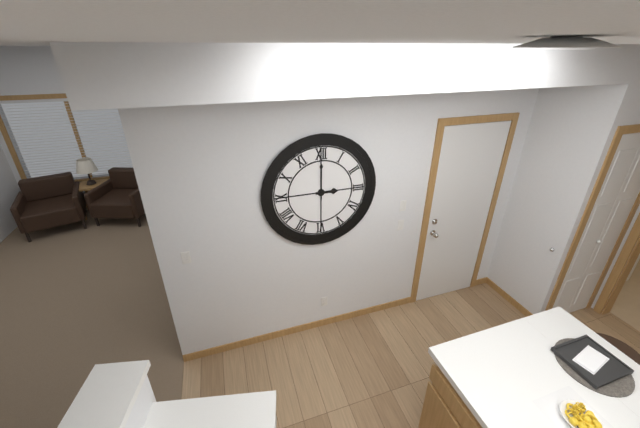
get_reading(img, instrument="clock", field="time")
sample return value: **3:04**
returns **3:00**
